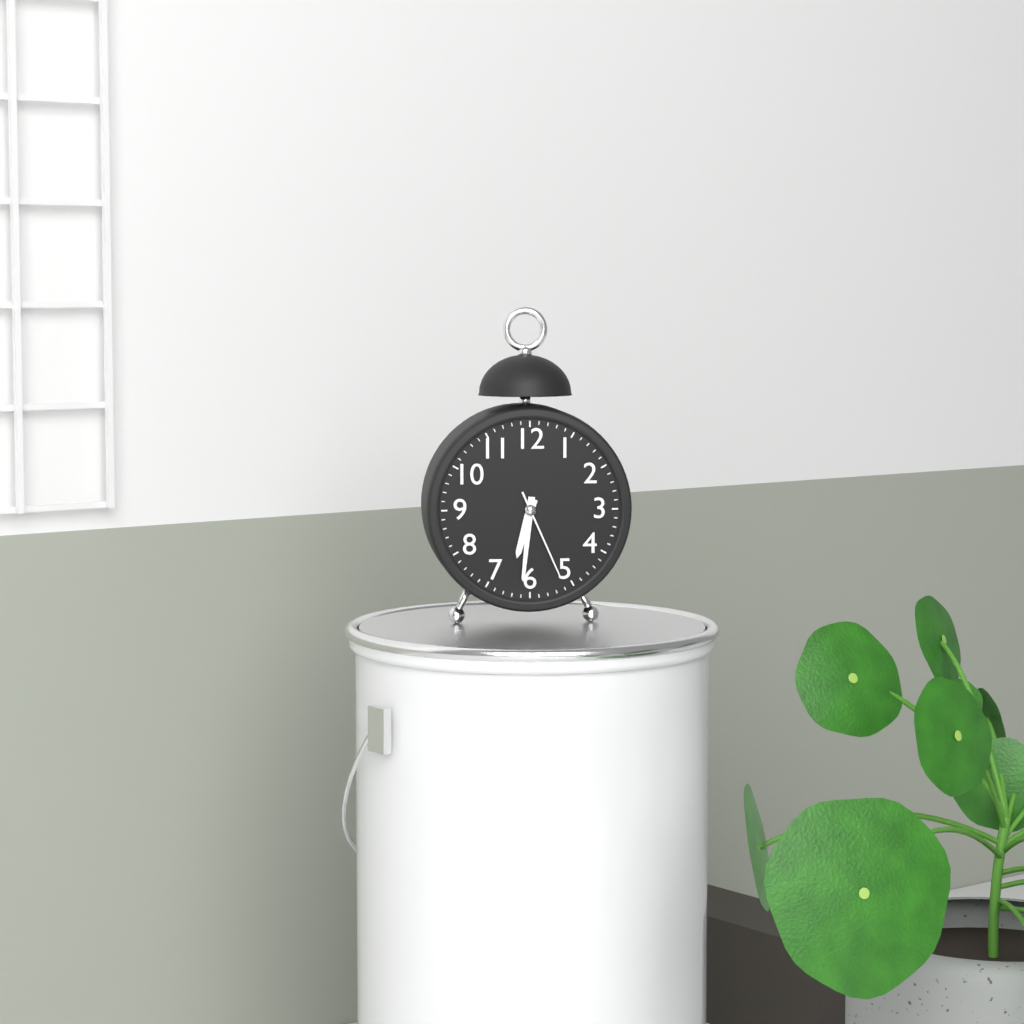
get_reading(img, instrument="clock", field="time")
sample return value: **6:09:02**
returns **6:31:26**
